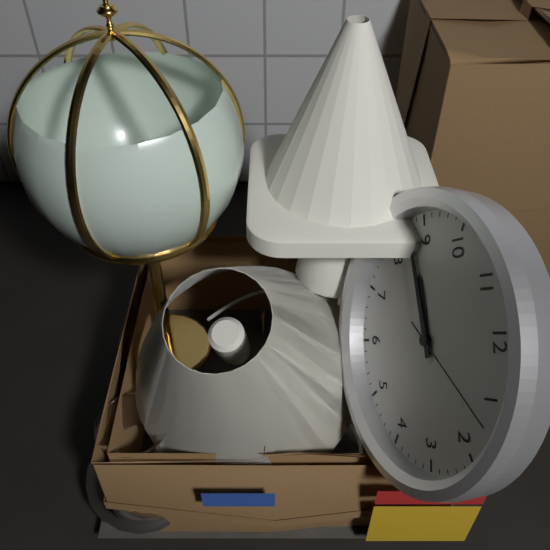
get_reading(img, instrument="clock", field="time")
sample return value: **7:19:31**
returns **8:43:07**
